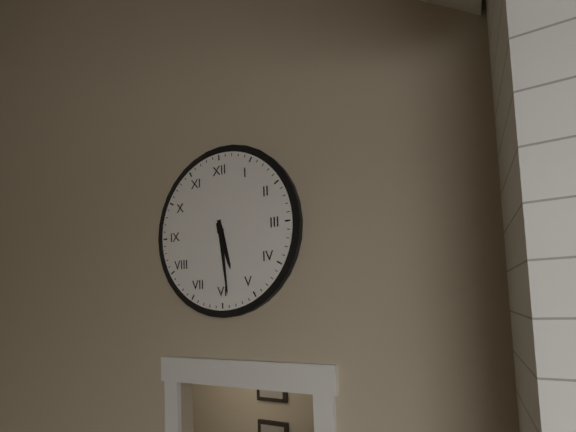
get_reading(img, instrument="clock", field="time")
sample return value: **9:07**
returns **5:29**
